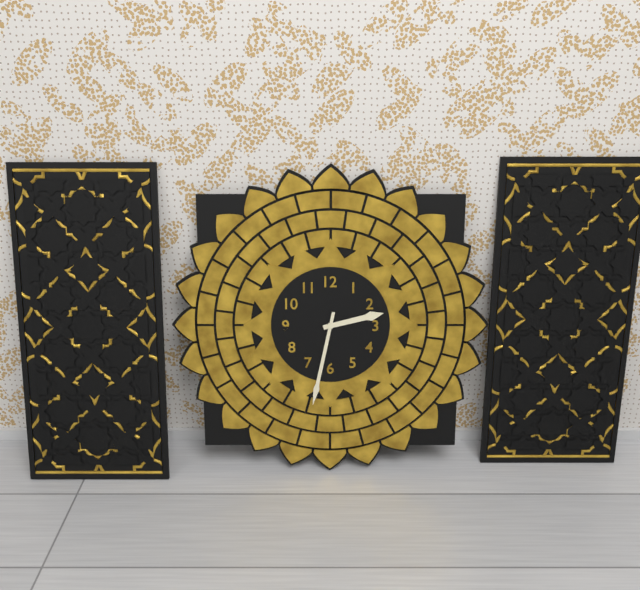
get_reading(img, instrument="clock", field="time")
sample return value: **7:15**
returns **2:32**
